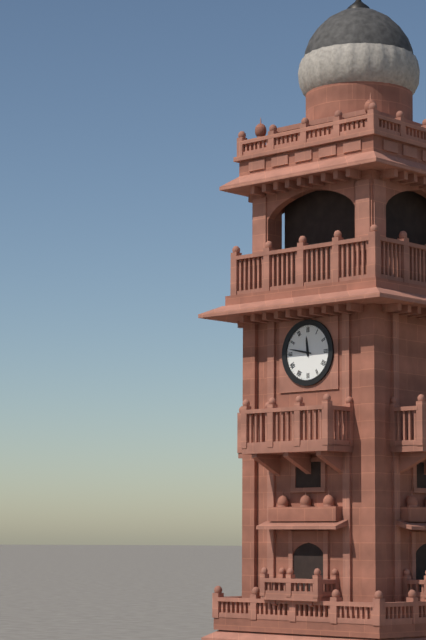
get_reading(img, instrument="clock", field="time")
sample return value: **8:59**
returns **11:47**
